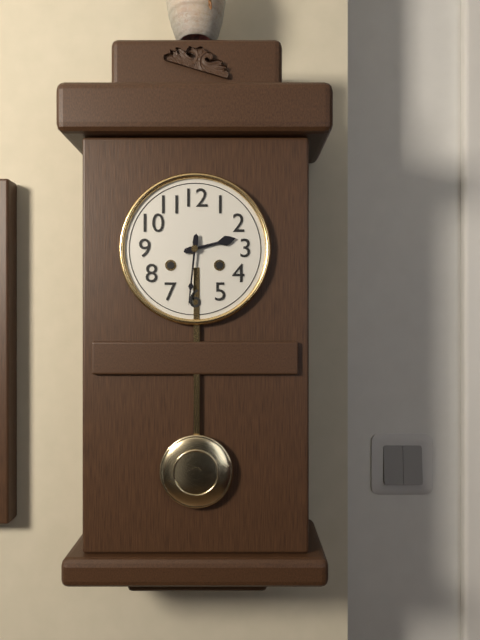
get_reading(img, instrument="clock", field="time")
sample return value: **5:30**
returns **2:31**
